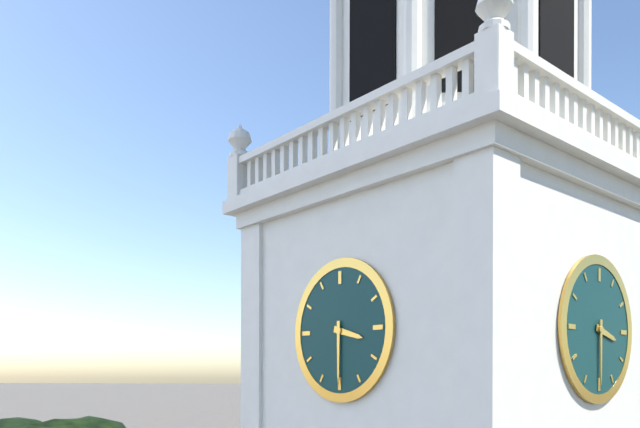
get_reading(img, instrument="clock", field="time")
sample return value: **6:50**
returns **3:30**
